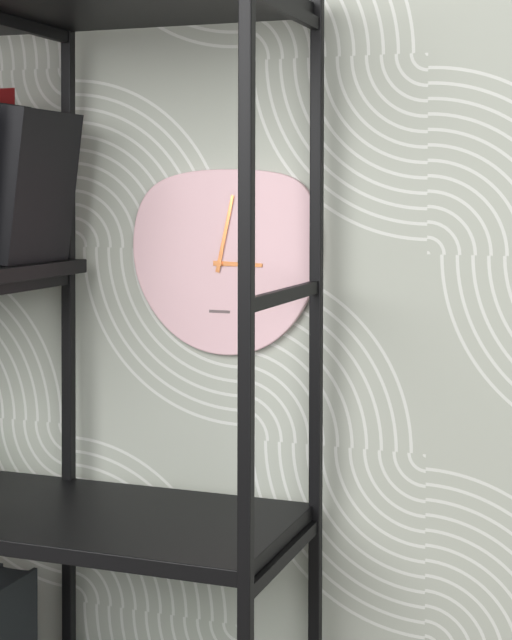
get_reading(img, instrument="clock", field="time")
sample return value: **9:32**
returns **3:02**
